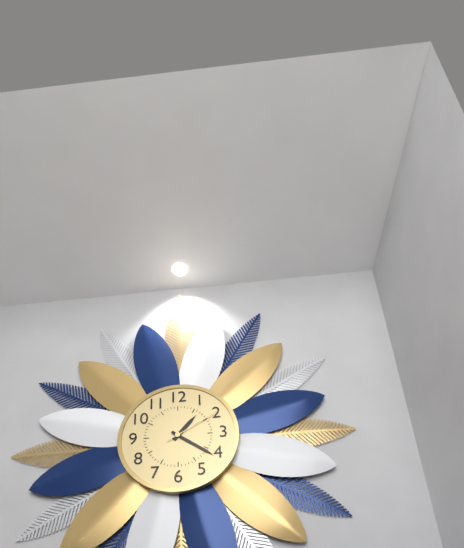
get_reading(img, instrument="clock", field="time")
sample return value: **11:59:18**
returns **1:21:10**
